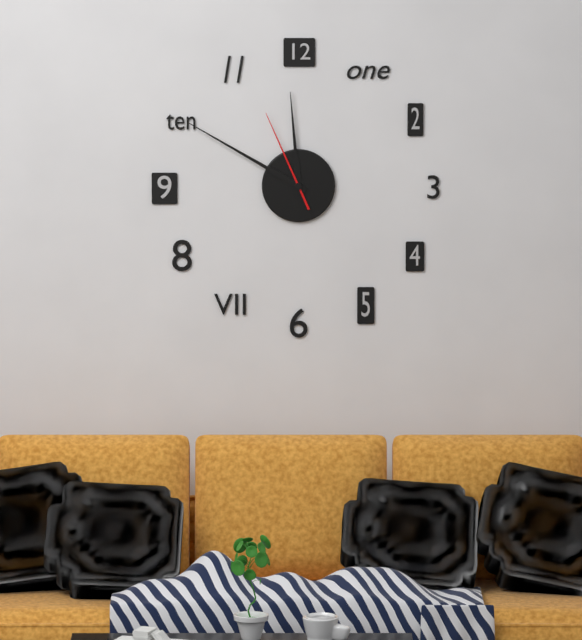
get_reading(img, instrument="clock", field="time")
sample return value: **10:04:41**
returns **11:50:56**
